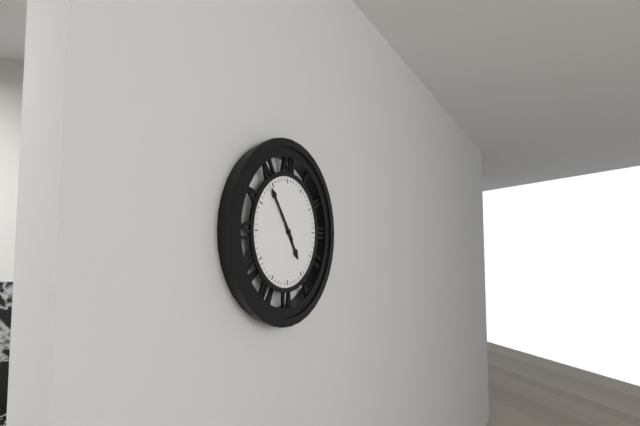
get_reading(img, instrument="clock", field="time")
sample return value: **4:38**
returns **4:54**
